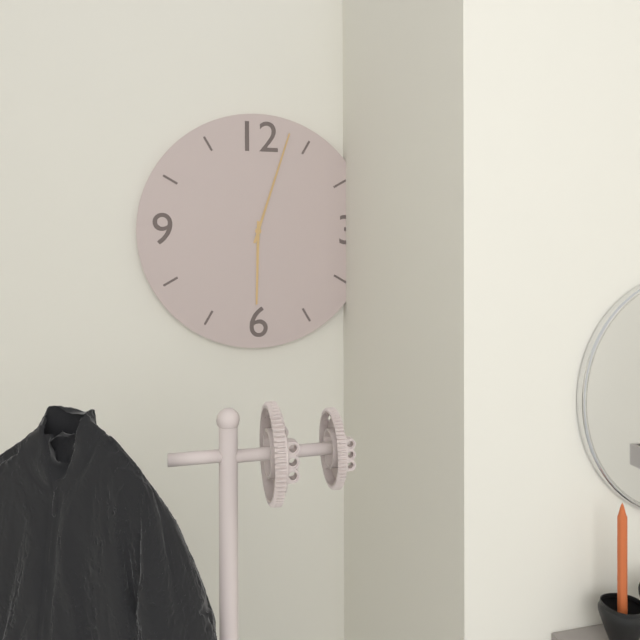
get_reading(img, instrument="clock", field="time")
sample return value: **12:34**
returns **6:03**
